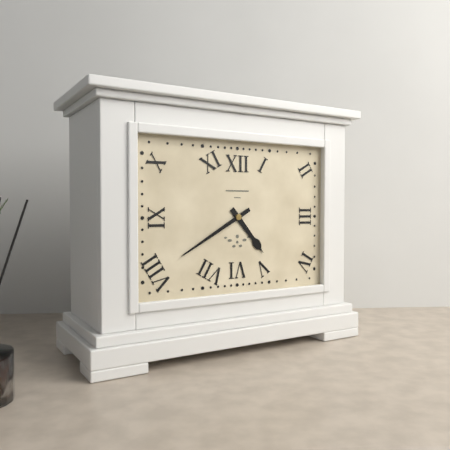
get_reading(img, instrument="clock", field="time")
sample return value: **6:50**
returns **4:40**
